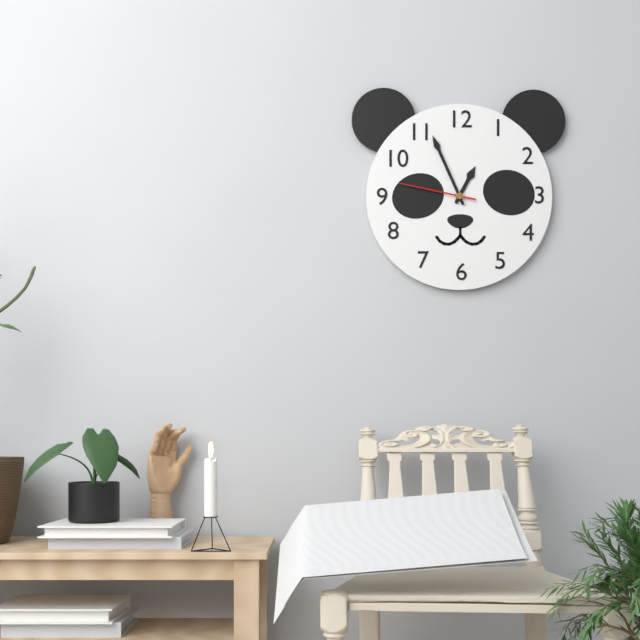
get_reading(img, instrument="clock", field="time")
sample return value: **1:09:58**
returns **12:56:47**
